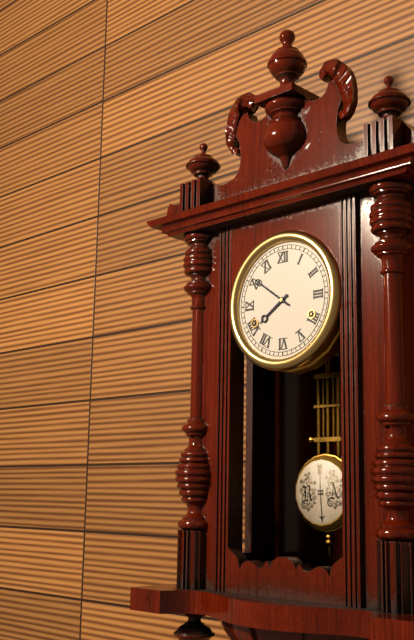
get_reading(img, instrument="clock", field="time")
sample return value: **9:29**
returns **7:51**
